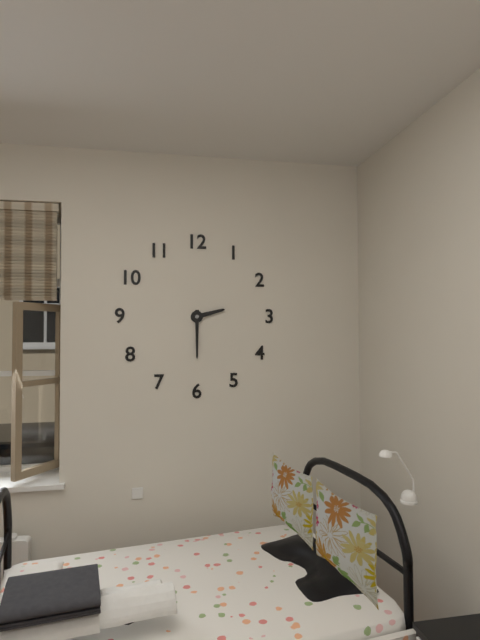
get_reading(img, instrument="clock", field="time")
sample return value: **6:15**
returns **2:30**
